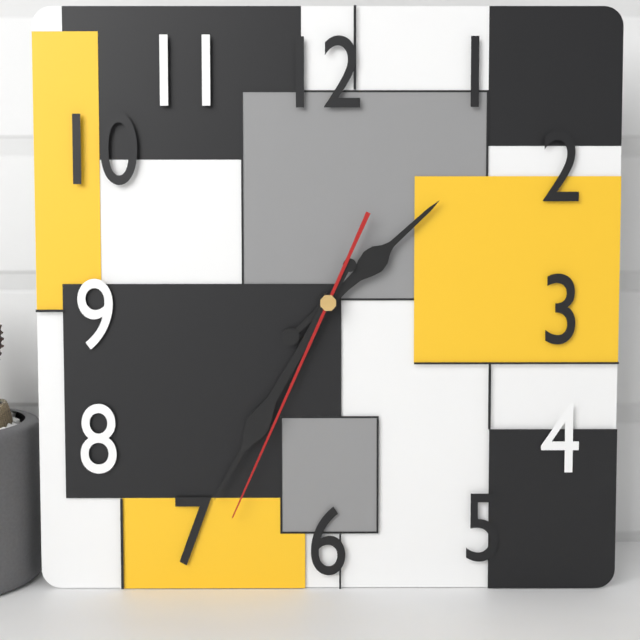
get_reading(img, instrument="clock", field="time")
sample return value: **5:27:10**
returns **1:35:34**
